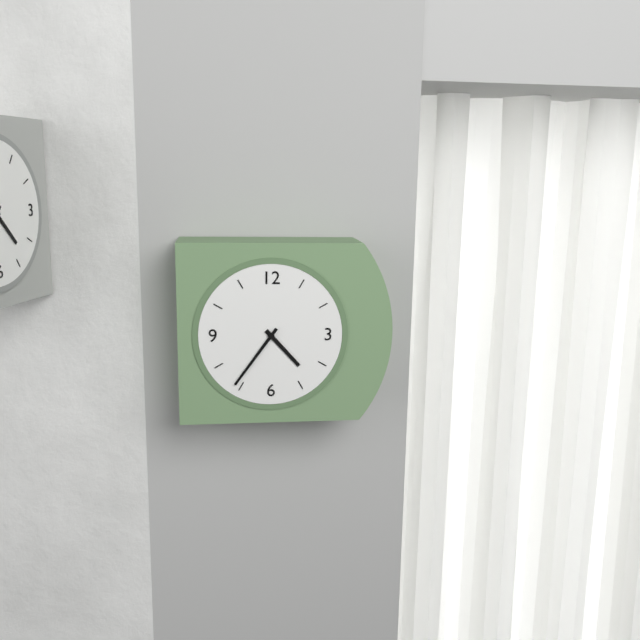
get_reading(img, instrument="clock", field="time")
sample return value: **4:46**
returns **4:36**
